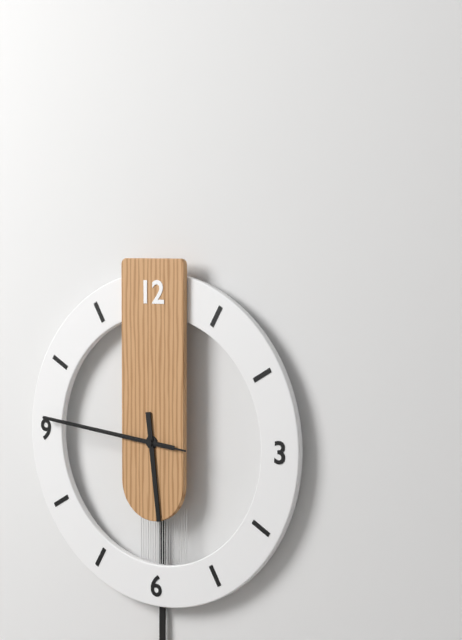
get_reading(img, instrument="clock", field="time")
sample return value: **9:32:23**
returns **5:46:46**
